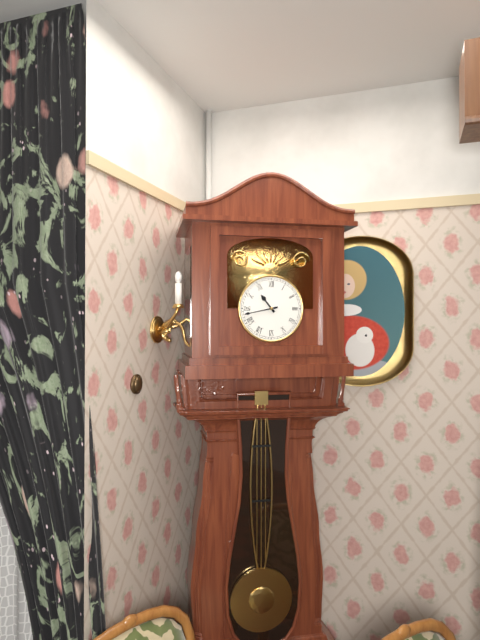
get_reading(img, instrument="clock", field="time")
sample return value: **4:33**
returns **10:43**
